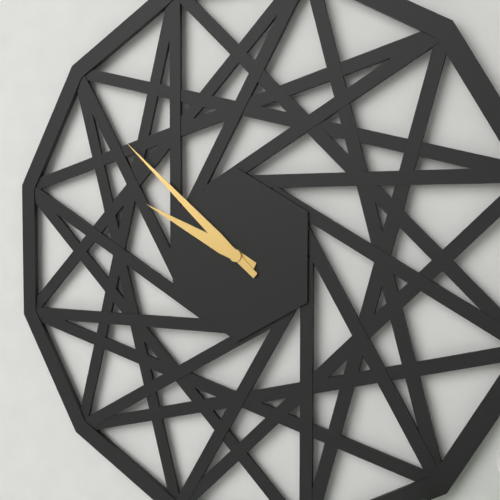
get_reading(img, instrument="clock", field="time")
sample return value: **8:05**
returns **9:52**
